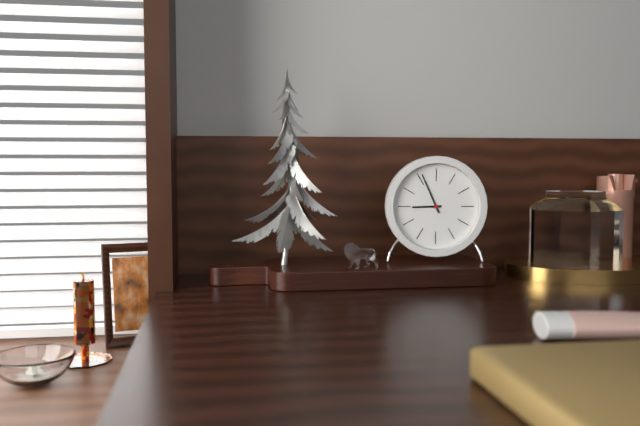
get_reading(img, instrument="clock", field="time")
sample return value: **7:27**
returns **8:56**
